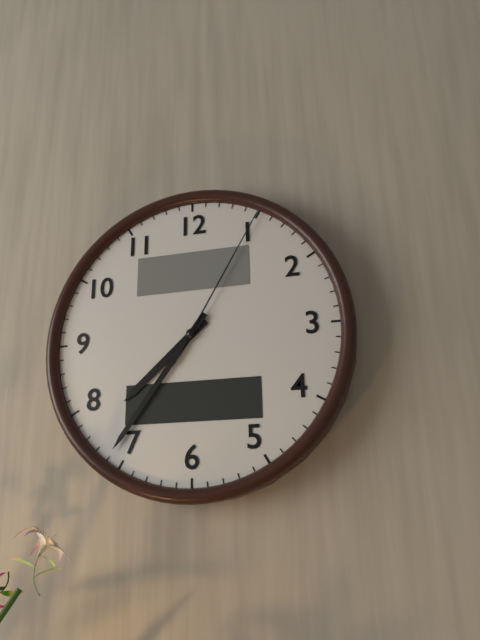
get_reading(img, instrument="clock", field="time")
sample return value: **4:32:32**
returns **7:36:05**
